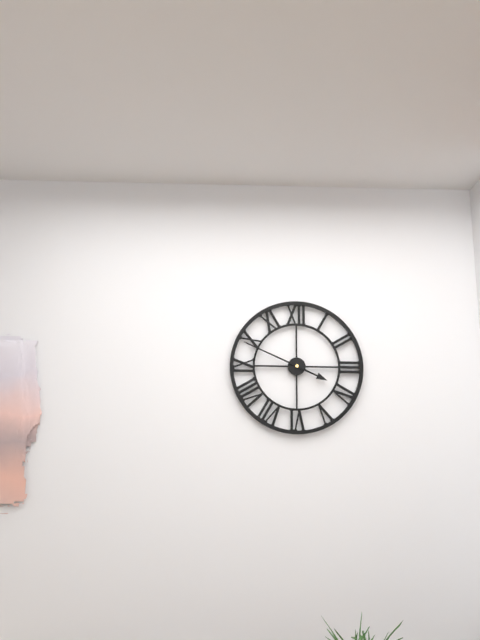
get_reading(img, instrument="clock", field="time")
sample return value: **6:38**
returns **3:49**
